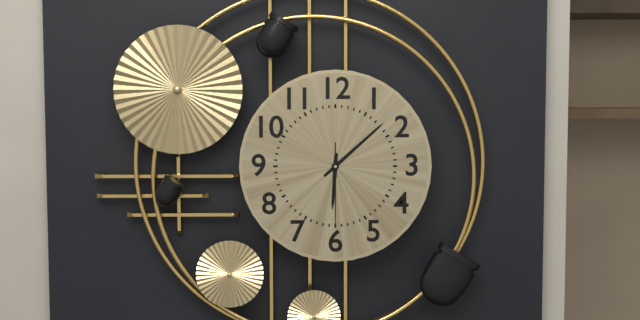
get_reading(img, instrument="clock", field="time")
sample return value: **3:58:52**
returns **6:08:30**
